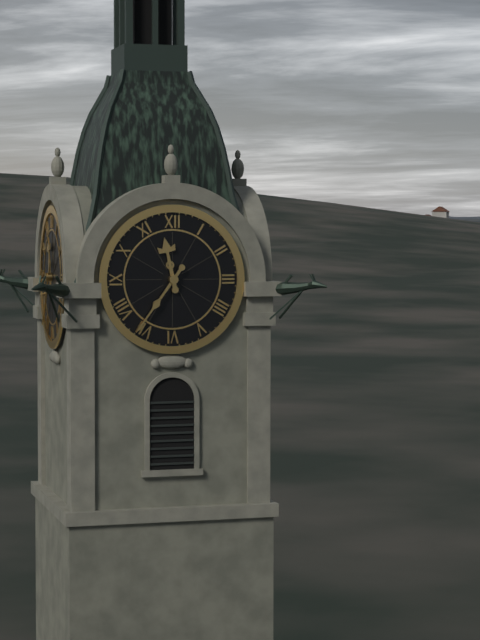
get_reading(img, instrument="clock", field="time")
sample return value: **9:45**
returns **11:36**
